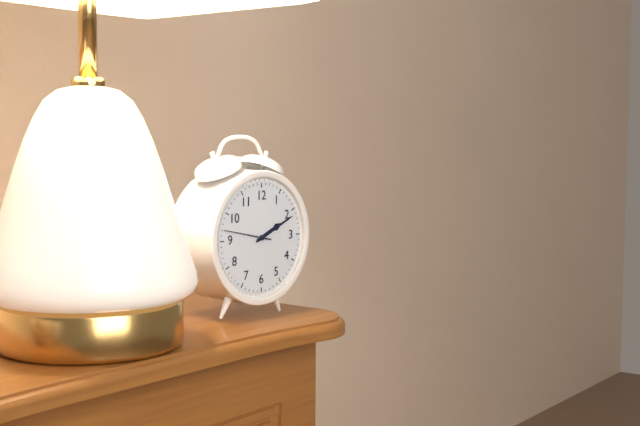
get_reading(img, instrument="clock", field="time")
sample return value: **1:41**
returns **2:11**
